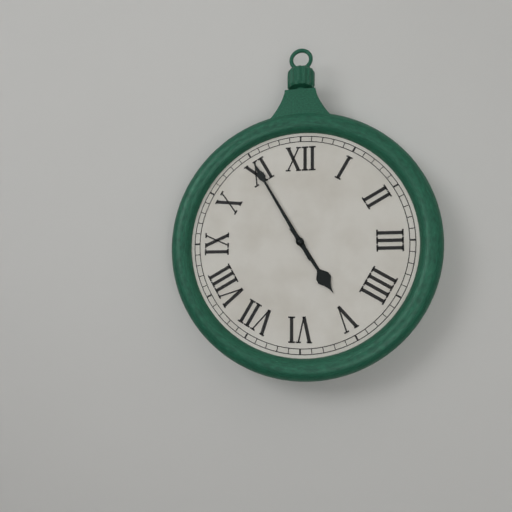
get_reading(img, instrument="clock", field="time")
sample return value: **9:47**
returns **4:55**
